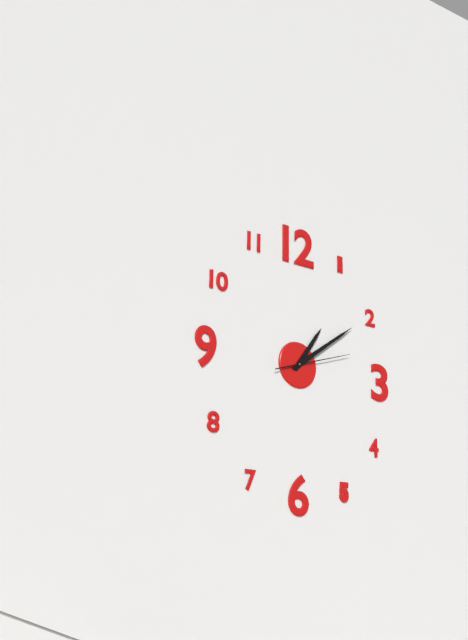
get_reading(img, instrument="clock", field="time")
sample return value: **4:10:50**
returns **1:09:12**
